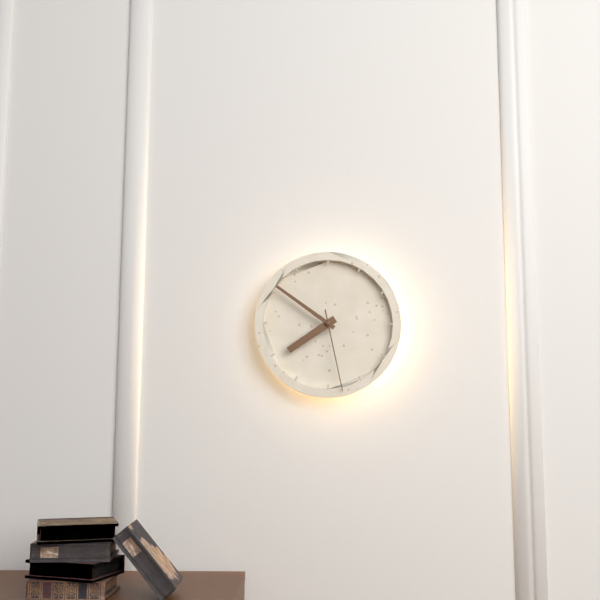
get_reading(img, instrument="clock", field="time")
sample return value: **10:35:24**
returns **7:51:28**
